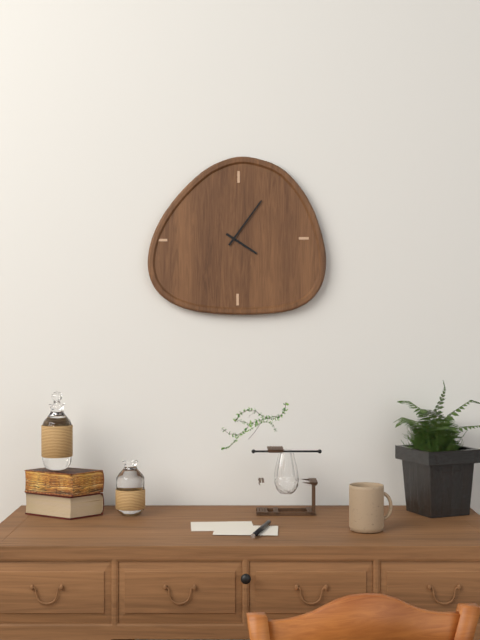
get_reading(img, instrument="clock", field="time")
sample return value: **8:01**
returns **4:06**
